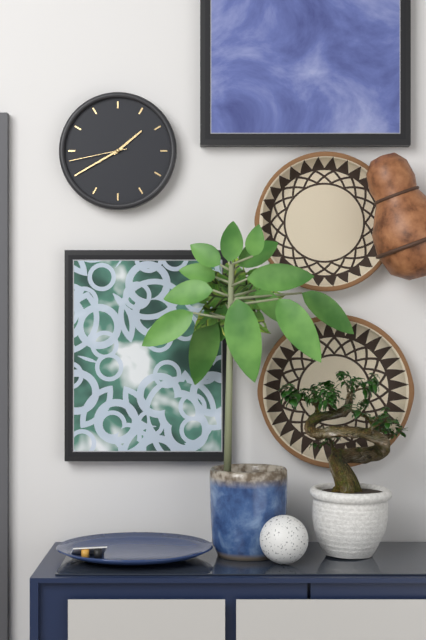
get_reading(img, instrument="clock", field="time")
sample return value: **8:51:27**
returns **1:40:43**
